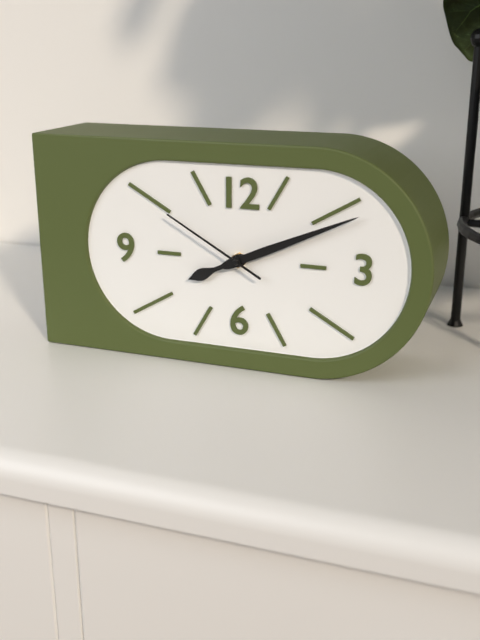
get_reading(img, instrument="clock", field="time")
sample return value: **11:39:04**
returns **8:11:50**
